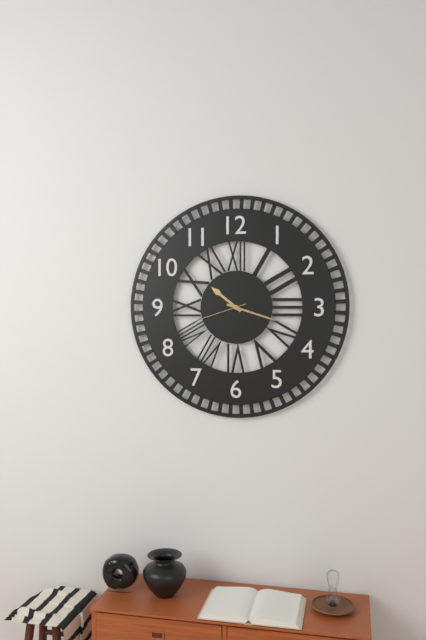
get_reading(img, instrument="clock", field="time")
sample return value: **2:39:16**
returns **10:18:42**
